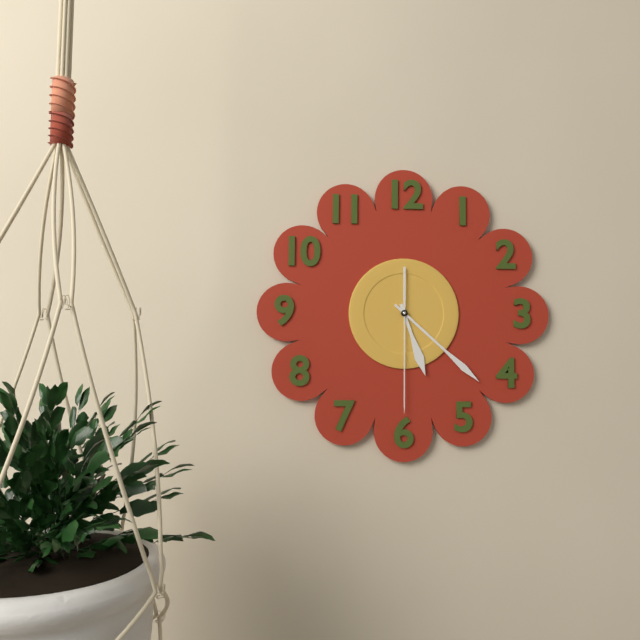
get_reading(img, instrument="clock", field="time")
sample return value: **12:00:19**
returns **5:22:30**
